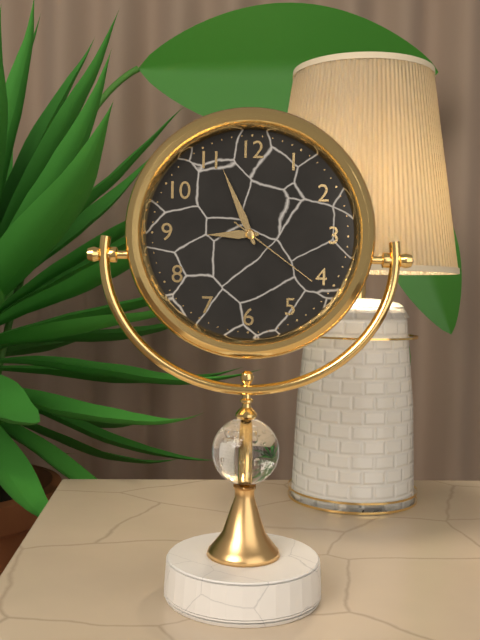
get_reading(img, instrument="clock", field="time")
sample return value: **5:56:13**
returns **8:56:21**
